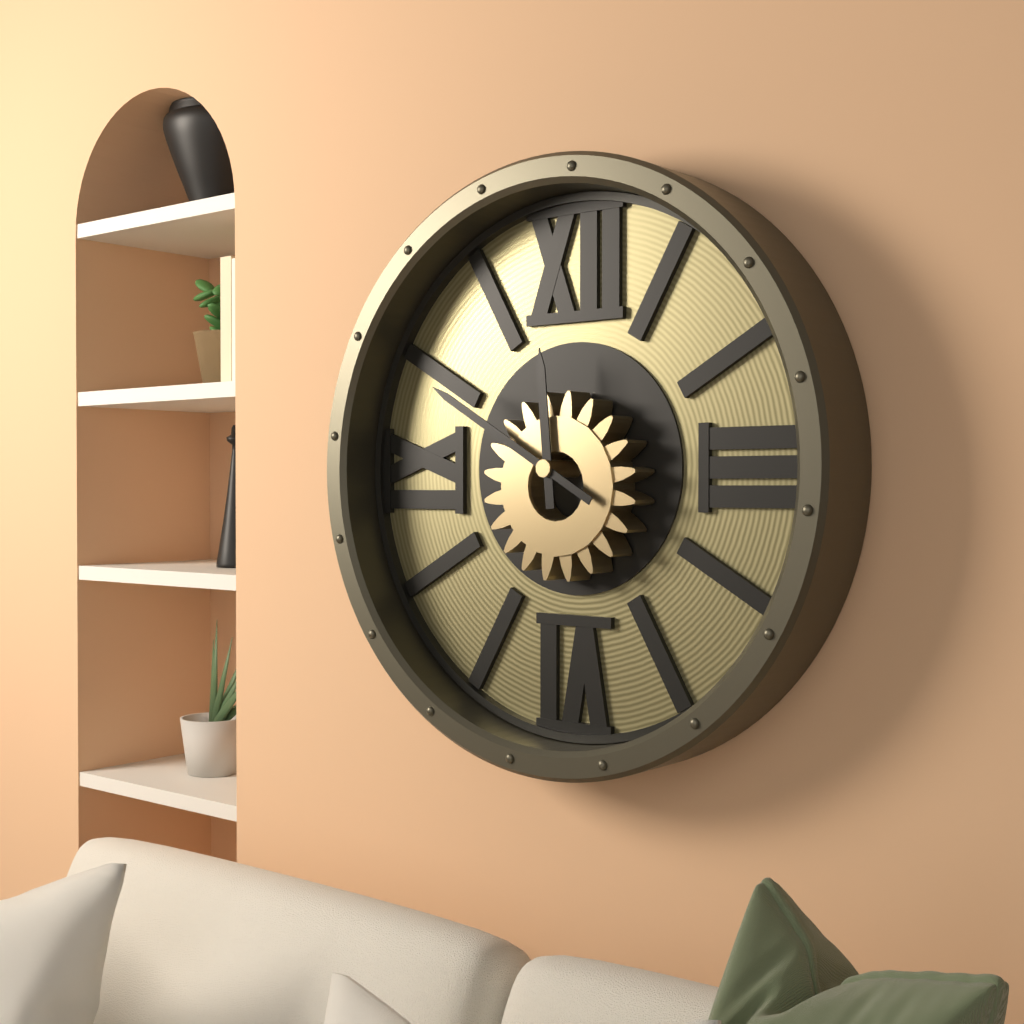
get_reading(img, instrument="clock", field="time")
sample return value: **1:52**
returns **11:50**
